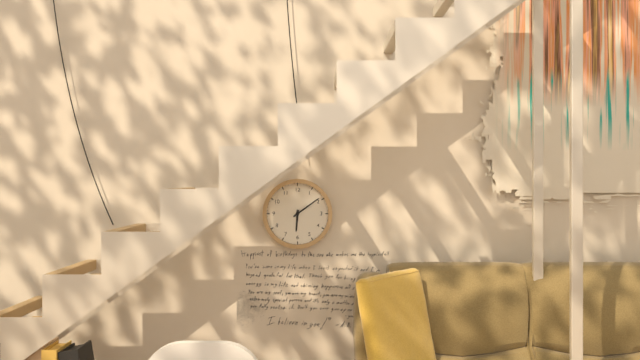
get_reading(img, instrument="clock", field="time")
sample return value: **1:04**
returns **6:09**
